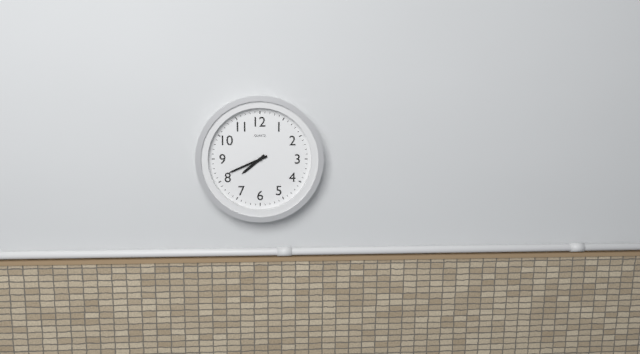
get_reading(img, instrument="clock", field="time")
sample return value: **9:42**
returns **7:41**
